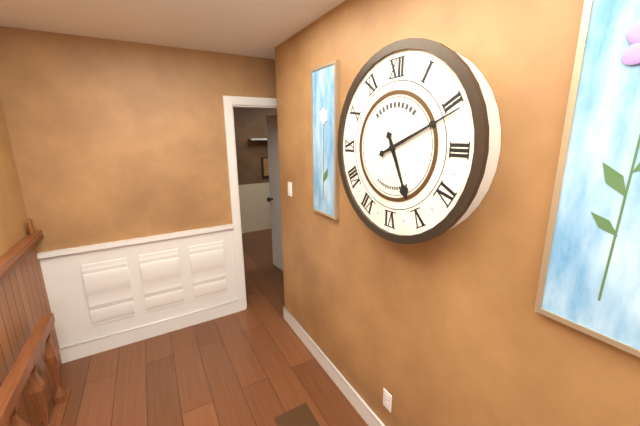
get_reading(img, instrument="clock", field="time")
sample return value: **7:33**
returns **5:11**
